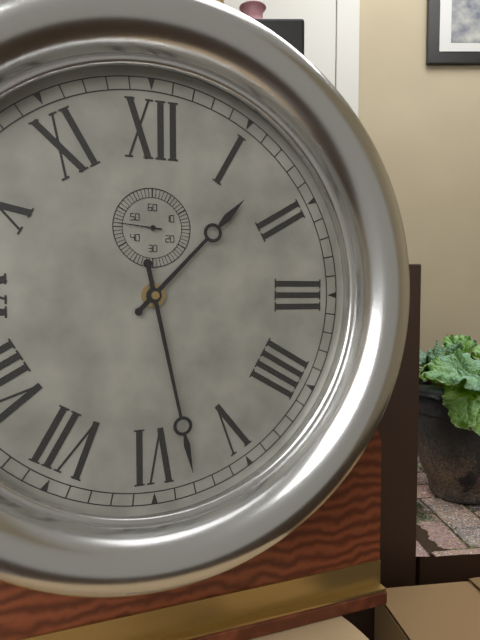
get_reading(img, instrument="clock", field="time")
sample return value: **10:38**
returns **1:28**
